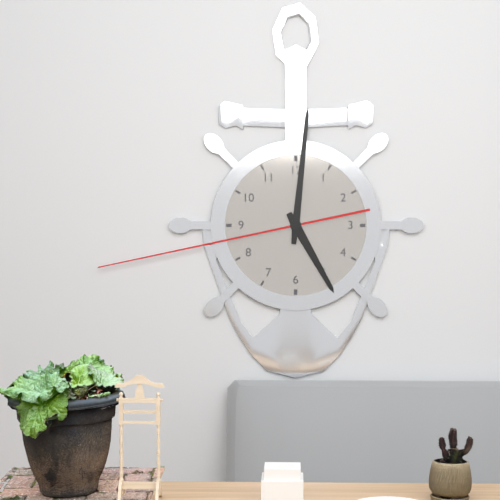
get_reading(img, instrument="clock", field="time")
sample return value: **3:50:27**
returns **5:01:43**
